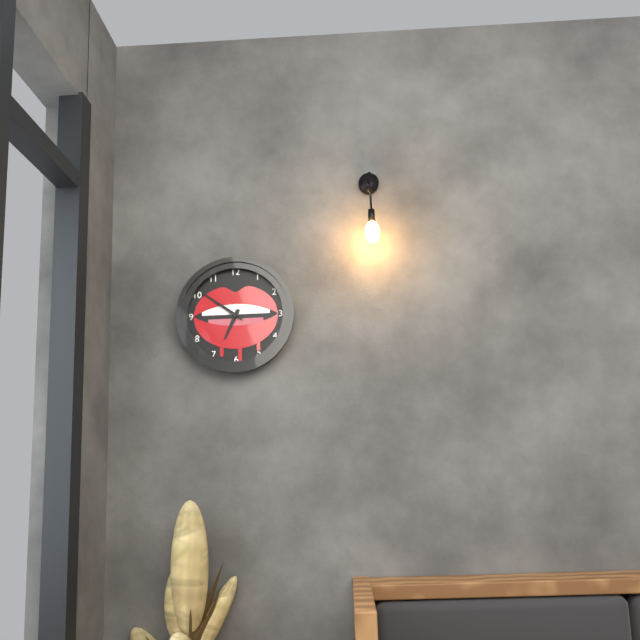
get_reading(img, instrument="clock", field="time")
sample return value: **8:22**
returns **6:51**
